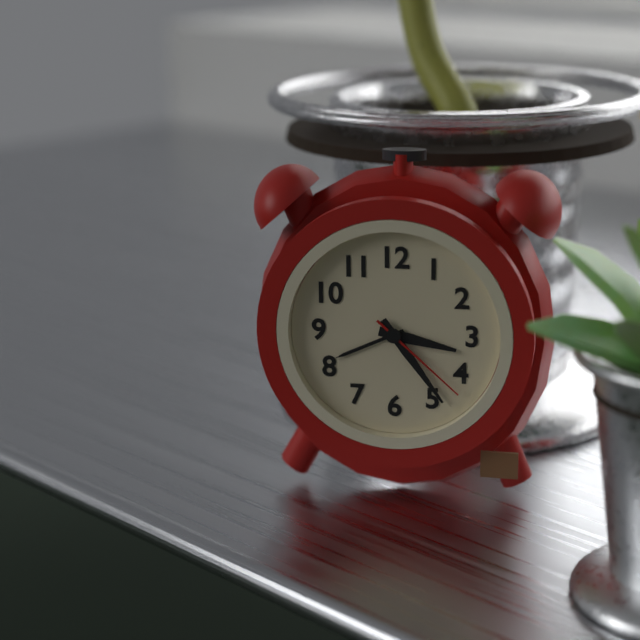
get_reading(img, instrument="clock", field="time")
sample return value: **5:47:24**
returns **3:24:22**
